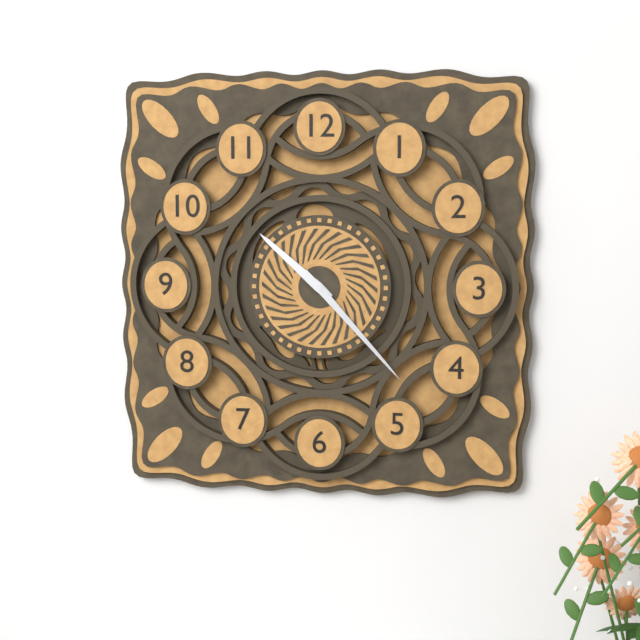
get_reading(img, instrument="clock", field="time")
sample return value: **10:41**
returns **10:23**
